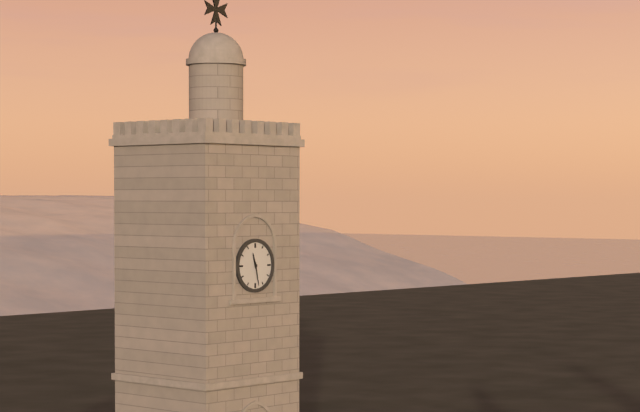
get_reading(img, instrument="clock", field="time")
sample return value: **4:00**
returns **11:28**
